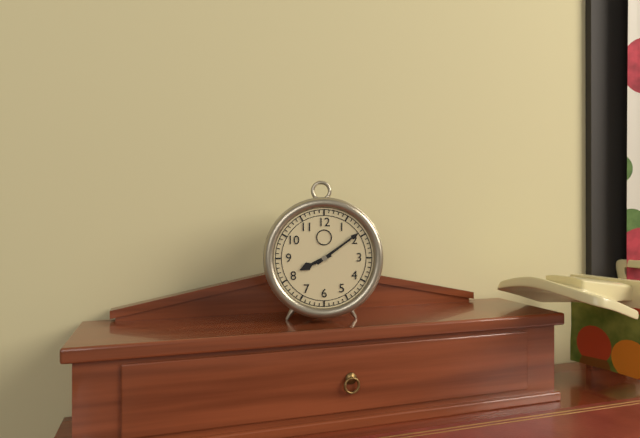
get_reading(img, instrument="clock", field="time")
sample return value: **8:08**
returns **8:09**
